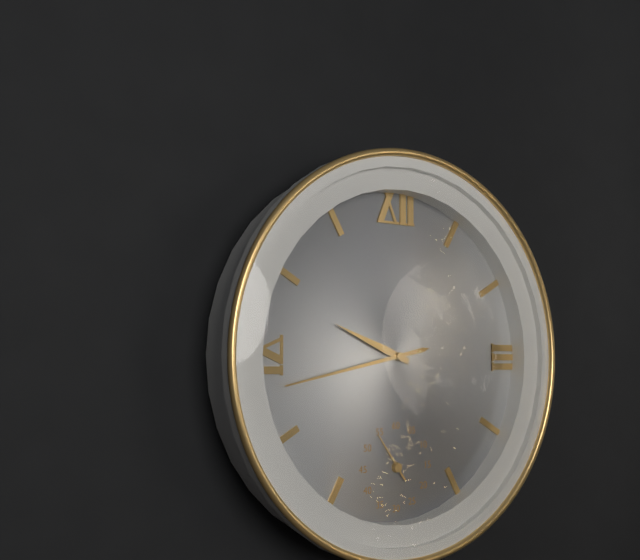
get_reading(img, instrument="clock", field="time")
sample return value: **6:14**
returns **9:43**
